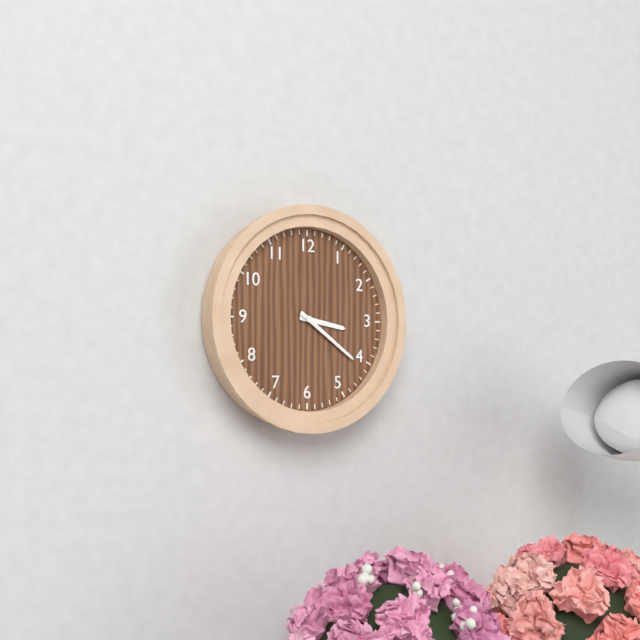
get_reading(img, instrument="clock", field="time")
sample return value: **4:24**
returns **3:21**
